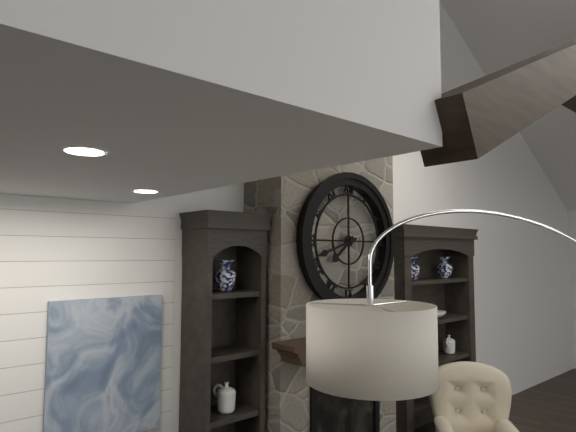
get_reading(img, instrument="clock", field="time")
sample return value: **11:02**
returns **7:42**
